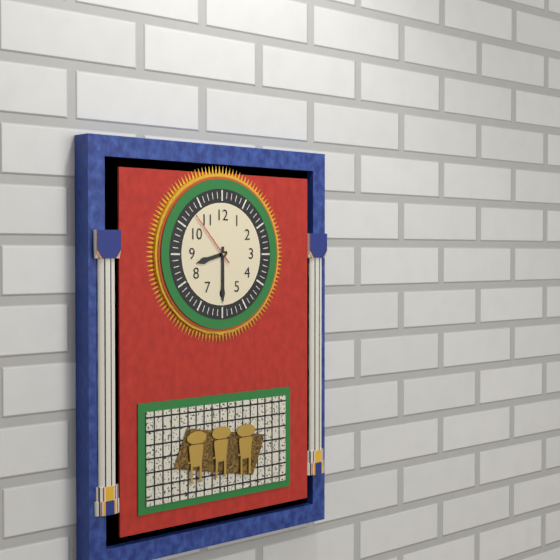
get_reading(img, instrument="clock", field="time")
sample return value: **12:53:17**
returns **8:30:53**
